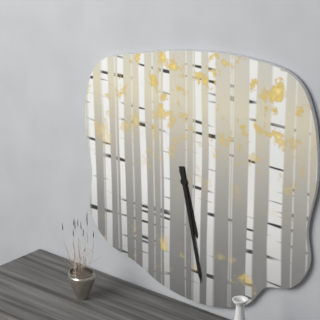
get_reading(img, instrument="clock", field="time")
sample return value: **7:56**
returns **5:28**
